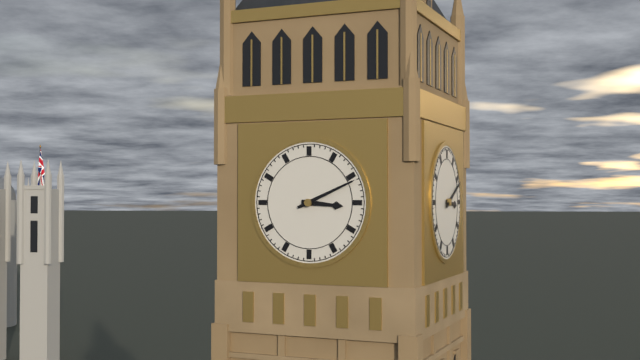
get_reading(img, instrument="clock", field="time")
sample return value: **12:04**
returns **3:11**
